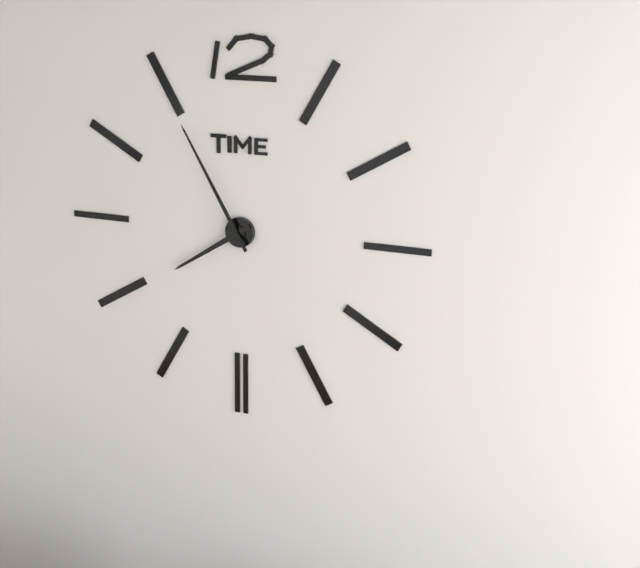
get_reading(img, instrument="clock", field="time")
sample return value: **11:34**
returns **7:55**
